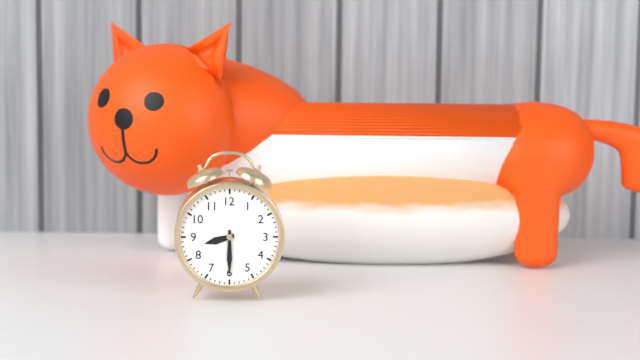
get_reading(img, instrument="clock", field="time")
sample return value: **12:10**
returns **8:30**
